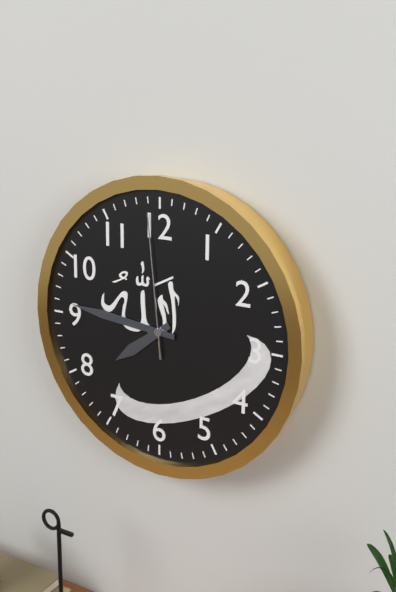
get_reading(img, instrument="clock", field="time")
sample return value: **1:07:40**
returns **7:46:59**
